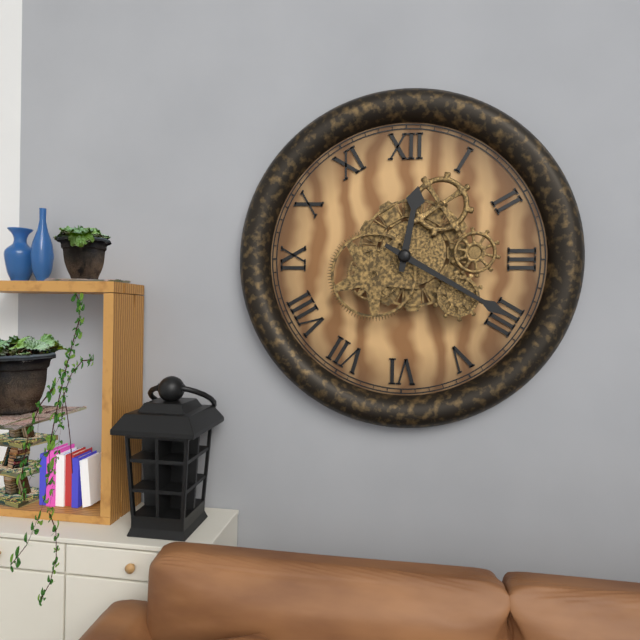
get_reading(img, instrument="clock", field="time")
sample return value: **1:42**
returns **12:20**
